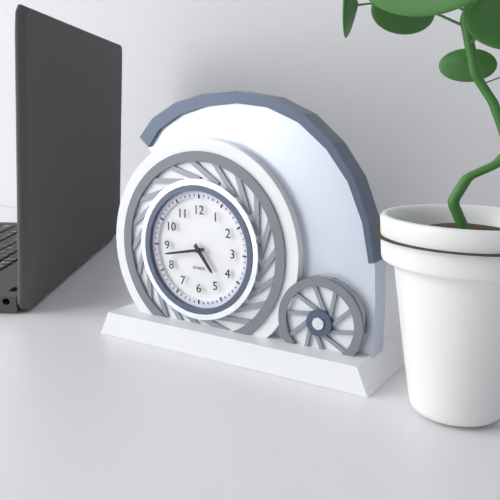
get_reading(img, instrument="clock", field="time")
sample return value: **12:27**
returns **4:43**
